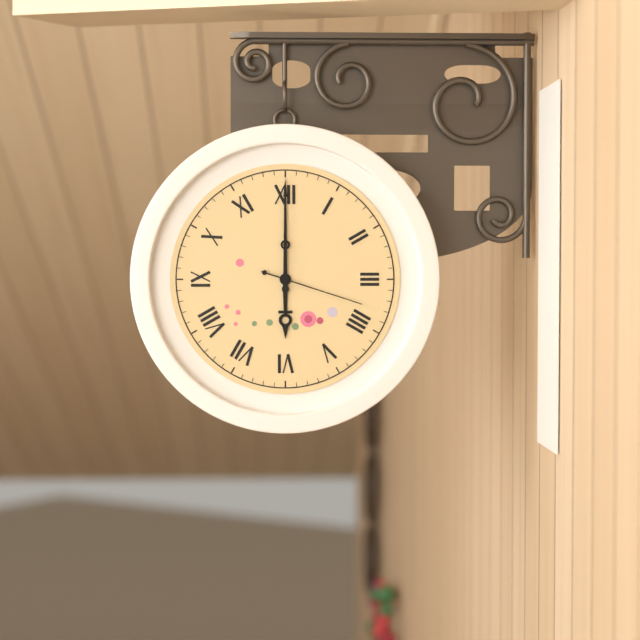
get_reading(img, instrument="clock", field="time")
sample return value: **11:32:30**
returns **6:00:18**
